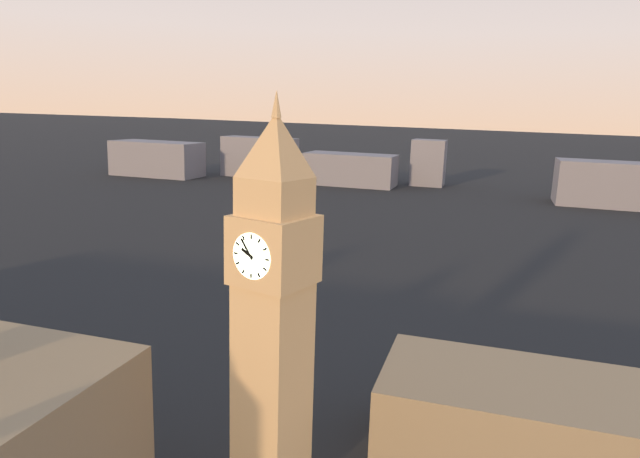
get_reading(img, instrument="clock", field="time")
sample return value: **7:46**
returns **9:54**
